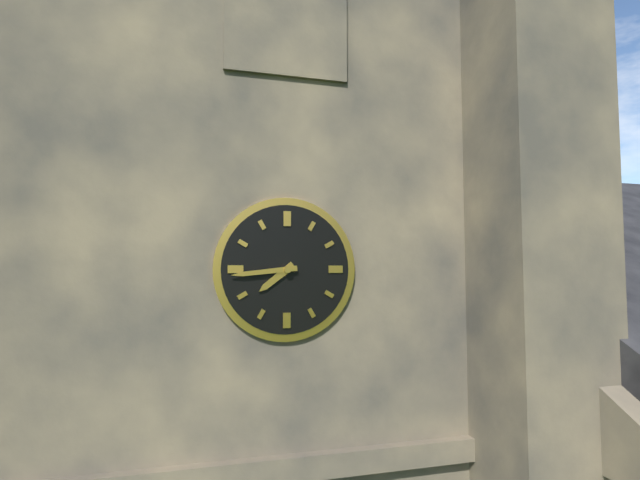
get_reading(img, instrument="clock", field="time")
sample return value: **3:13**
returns **7:44**
